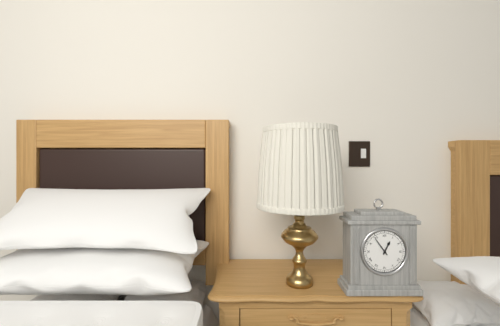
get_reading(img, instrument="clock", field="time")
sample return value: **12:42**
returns **12:54**
